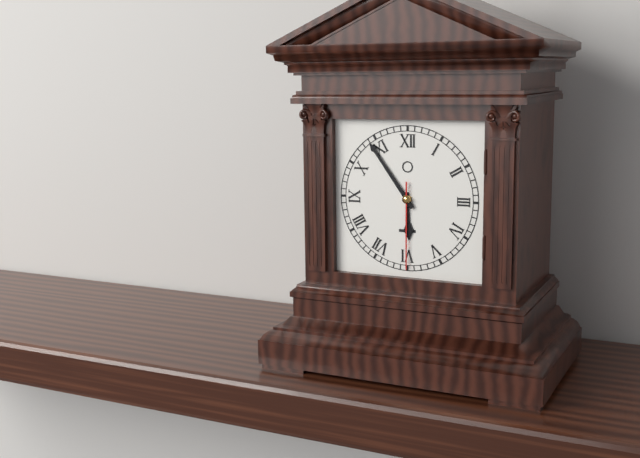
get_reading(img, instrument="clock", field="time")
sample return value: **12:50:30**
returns **5:54:30**
